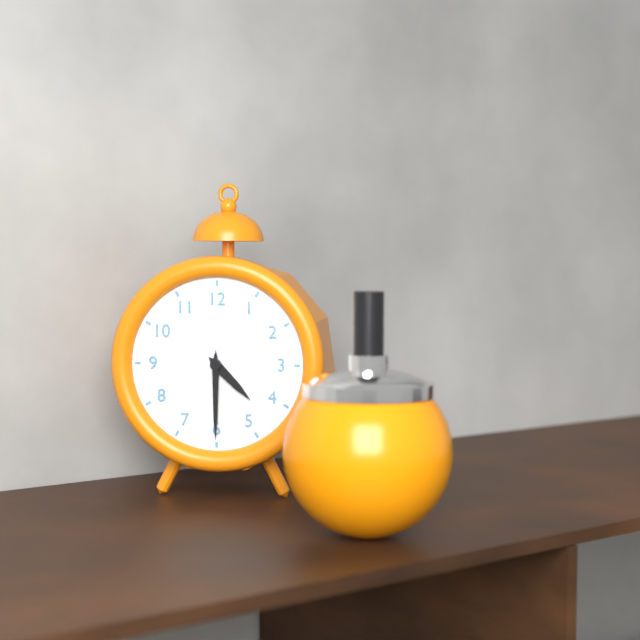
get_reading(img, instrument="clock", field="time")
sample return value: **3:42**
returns **4:30**
